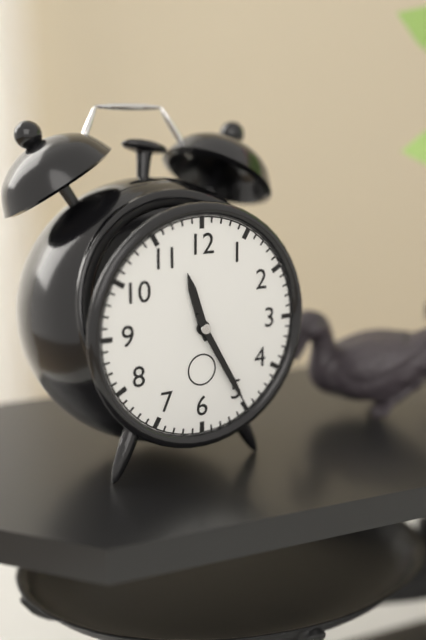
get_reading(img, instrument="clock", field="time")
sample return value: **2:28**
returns **11:25**
